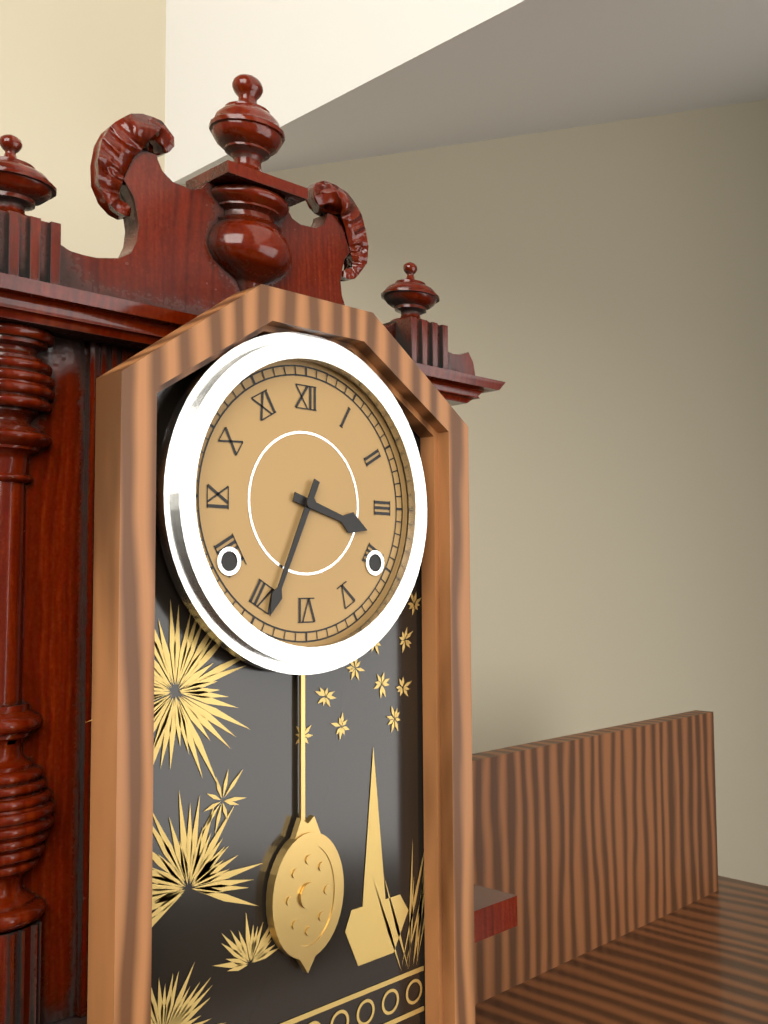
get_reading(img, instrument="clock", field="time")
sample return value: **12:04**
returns **3:34**
